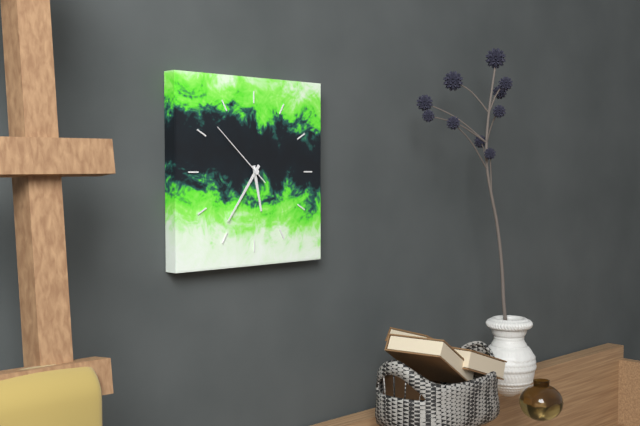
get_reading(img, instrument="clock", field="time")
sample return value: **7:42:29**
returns **5:36:52**
